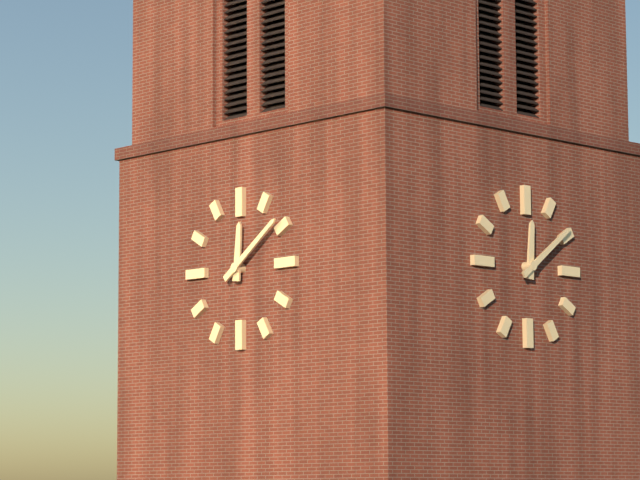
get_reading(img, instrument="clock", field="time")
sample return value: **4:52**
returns **12:09**
